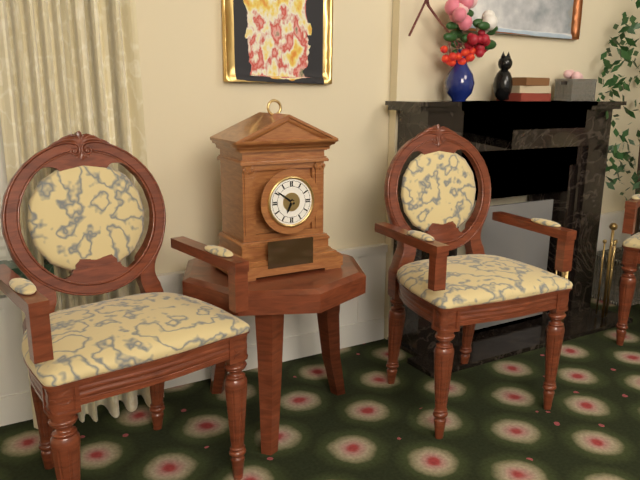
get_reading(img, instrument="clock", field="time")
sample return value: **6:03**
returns **6:51**
